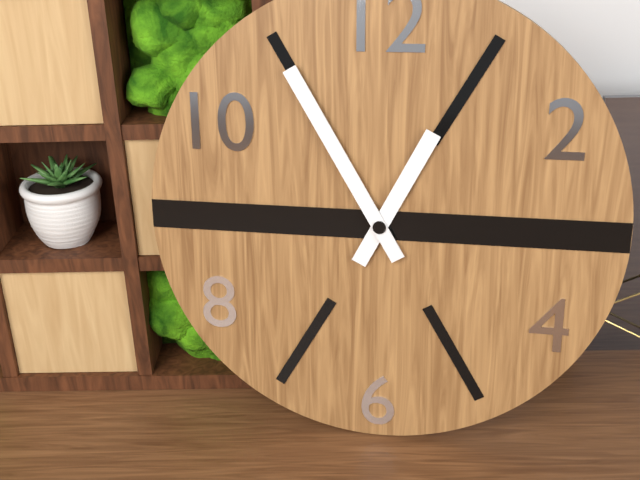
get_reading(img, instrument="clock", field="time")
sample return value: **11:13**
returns **12:55**
